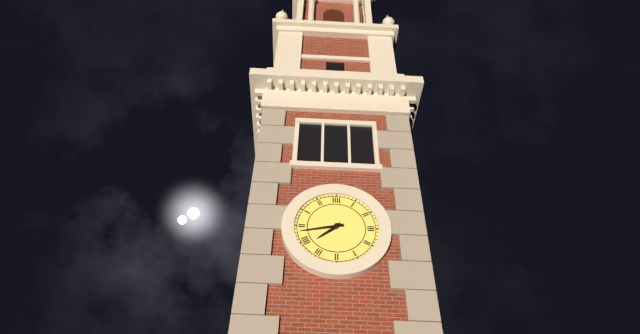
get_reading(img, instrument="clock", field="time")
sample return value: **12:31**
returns **7:43**
